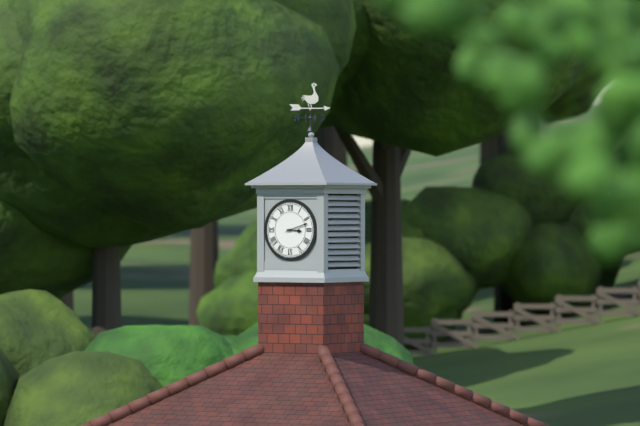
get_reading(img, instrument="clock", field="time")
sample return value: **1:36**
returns **3:12**
